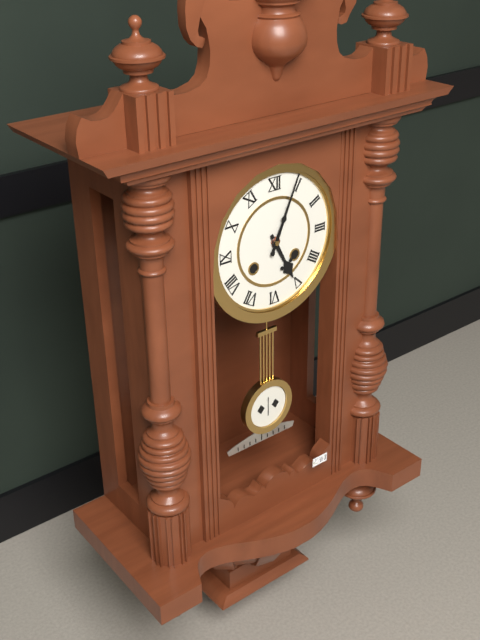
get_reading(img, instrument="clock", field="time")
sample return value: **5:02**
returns **5:04**
